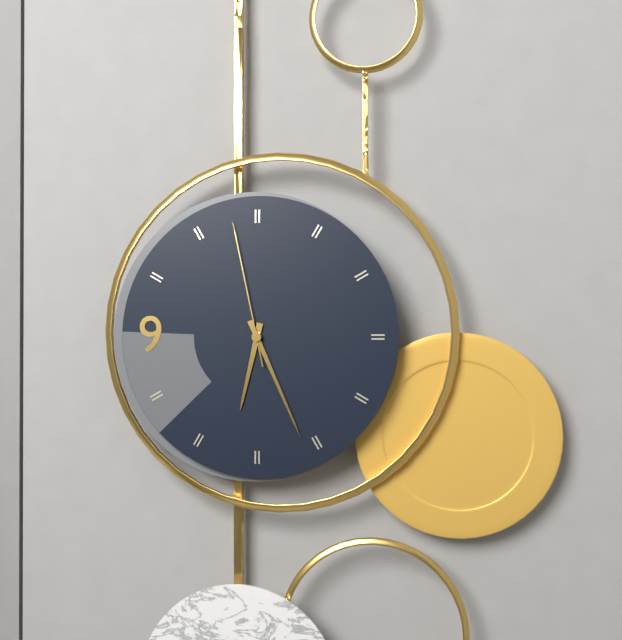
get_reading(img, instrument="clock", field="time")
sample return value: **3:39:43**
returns **6:26:58**
